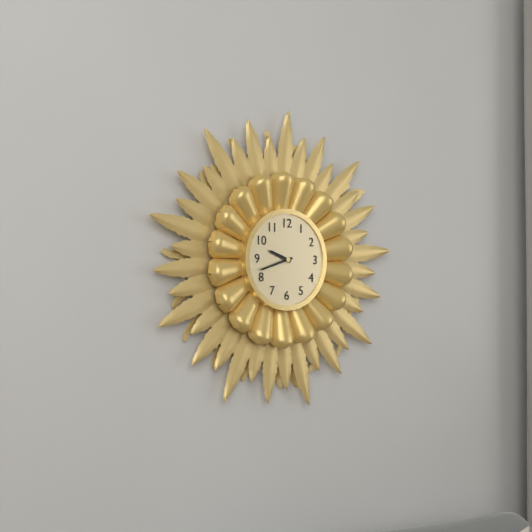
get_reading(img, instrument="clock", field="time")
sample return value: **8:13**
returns **9:42**
